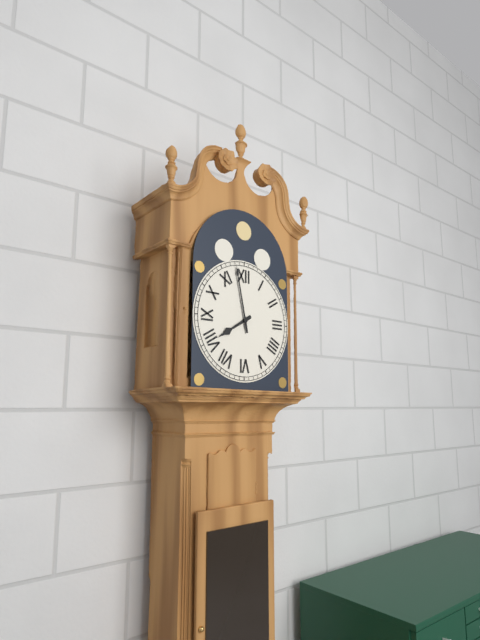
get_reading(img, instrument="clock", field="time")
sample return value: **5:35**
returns **7:58**
